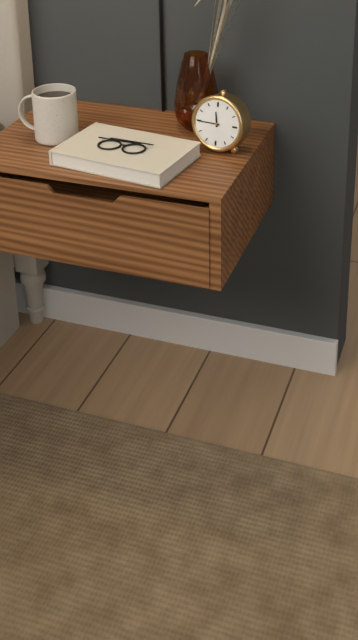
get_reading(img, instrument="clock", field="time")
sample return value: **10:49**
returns **11:45**
